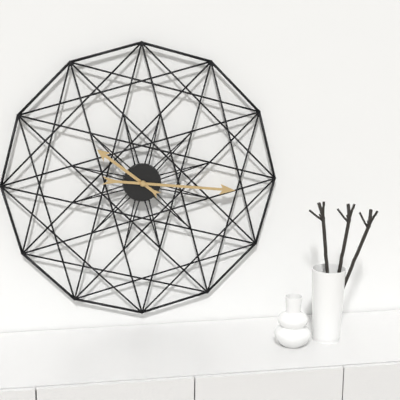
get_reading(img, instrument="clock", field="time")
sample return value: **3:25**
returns **10:16**
